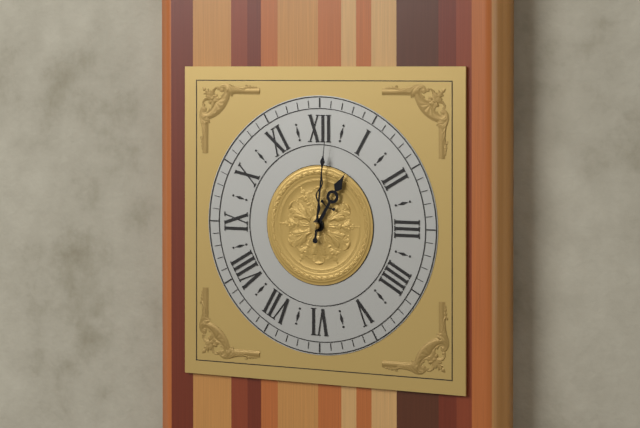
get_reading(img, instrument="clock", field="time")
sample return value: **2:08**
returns **1:01**
